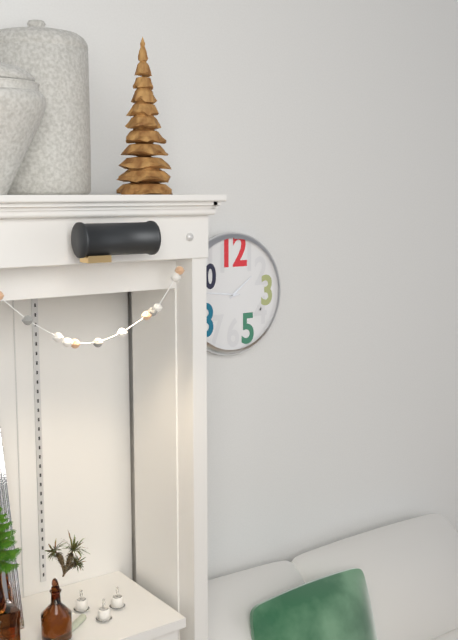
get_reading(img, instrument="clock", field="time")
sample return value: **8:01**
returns **1:46**
